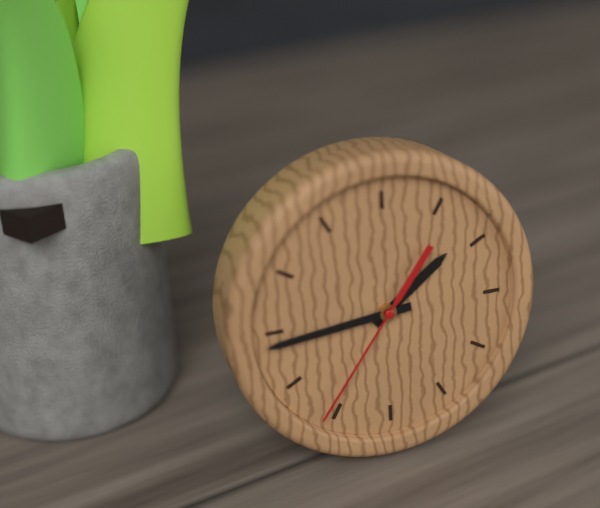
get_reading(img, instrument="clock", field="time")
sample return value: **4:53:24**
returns **1:44:36**
